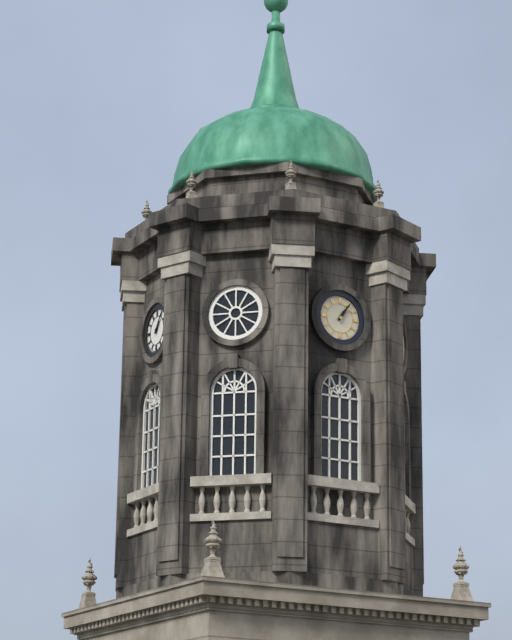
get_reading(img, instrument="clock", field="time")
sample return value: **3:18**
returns **1:06**
